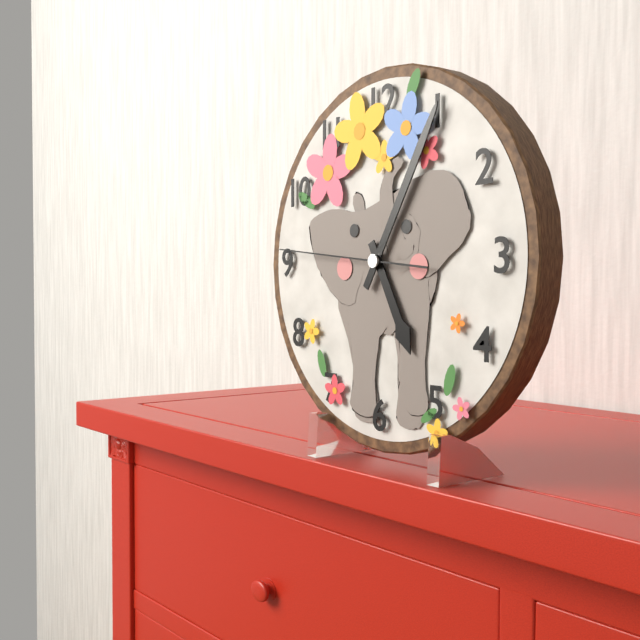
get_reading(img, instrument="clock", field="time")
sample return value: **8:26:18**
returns **5:05:46**
